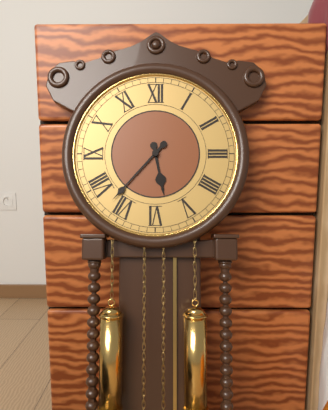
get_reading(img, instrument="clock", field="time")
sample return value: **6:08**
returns **5:37**
